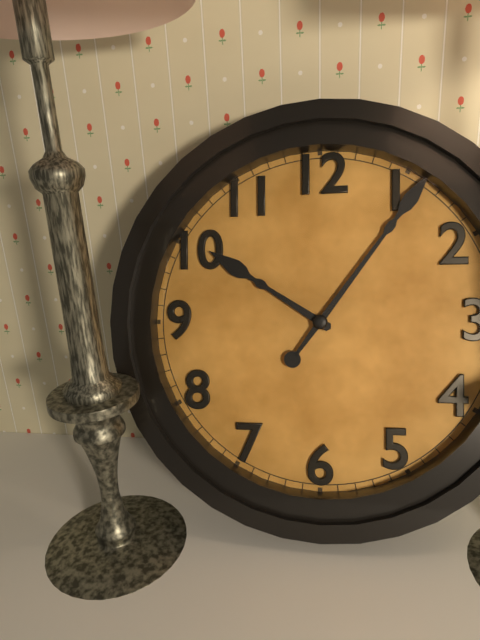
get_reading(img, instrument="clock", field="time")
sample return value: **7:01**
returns **10:06**
